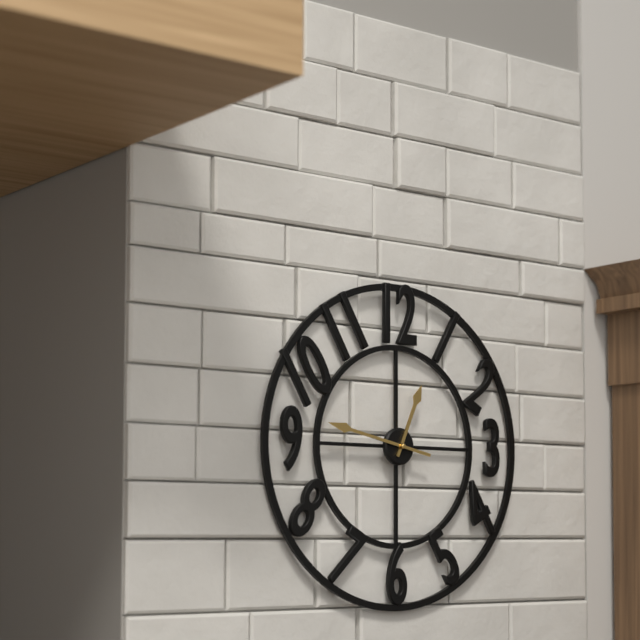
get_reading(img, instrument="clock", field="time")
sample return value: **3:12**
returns **12:47**
